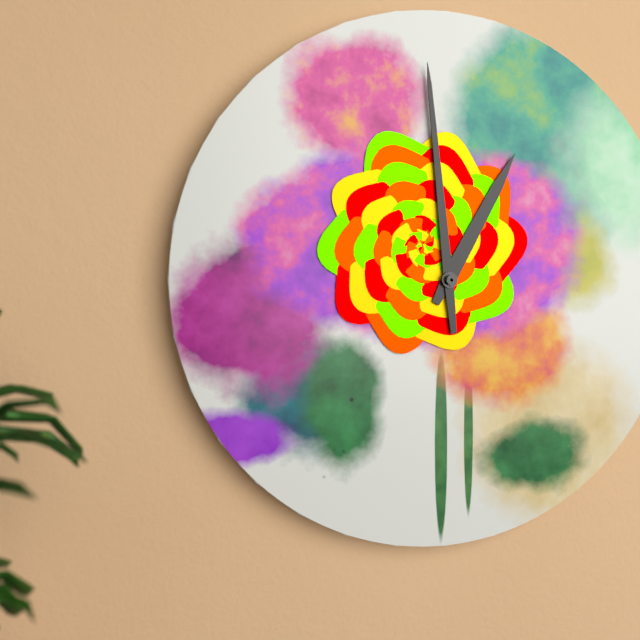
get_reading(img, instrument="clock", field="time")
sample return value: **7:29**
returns **12:59**
